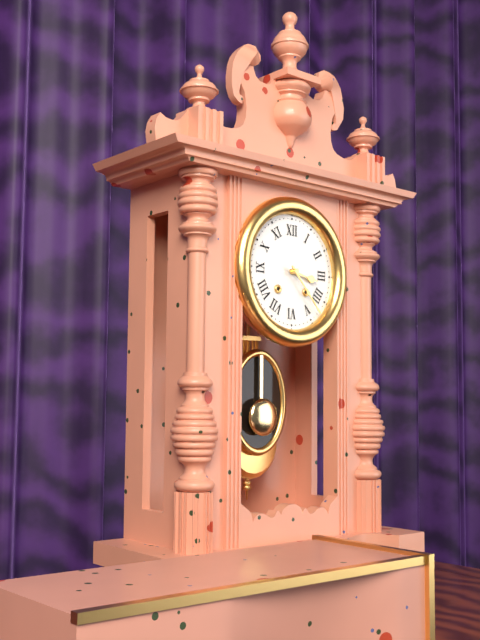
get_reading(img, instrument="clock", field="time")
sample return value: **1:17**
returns **3:23**
